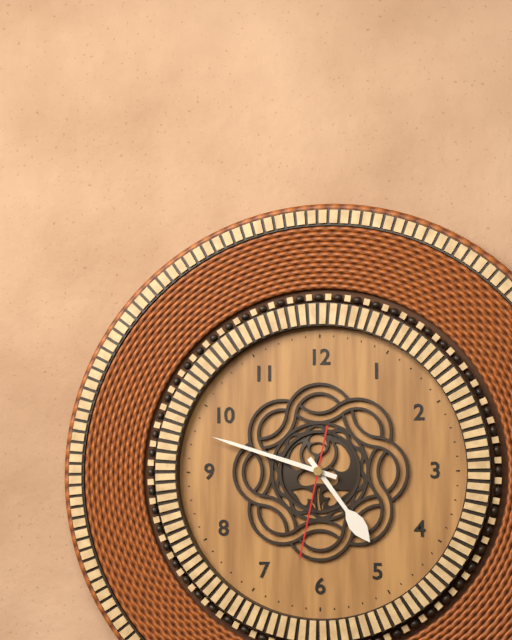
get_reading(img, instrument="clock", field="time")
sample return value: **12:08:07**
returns **4:48:32**
